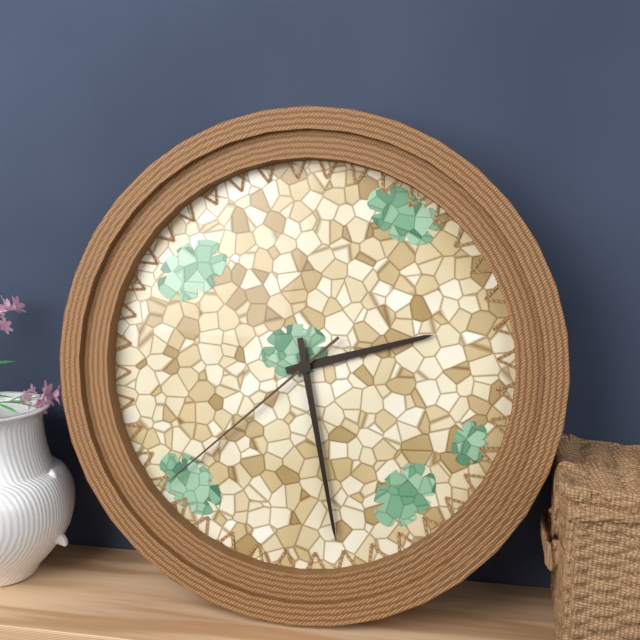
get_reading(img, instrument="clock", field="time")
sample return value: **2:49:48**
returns **2:28:38**
